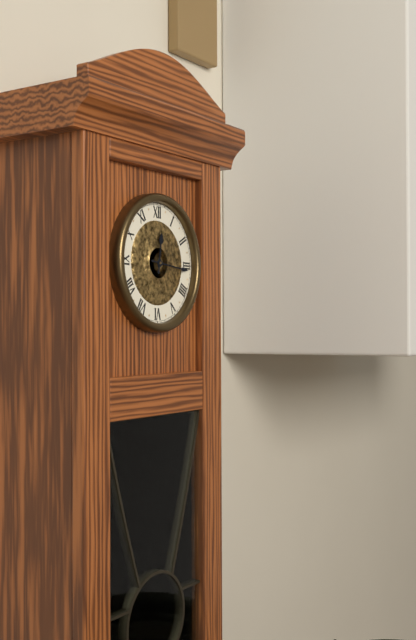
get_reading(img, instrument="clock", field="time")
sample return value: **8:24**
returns **12:16**
